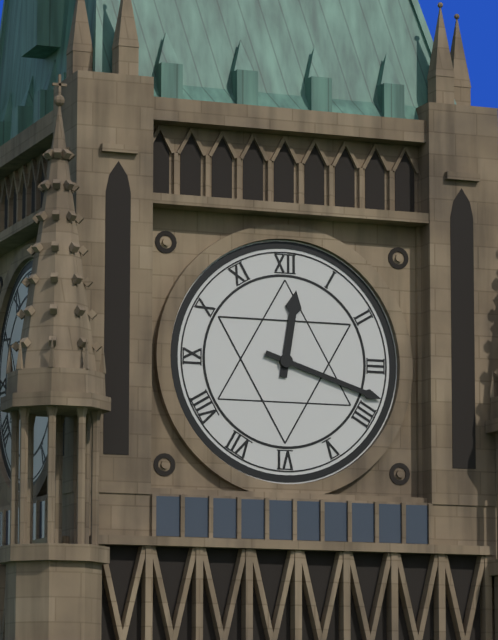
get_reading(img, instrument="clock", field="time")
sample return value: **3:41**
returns **12:18**
